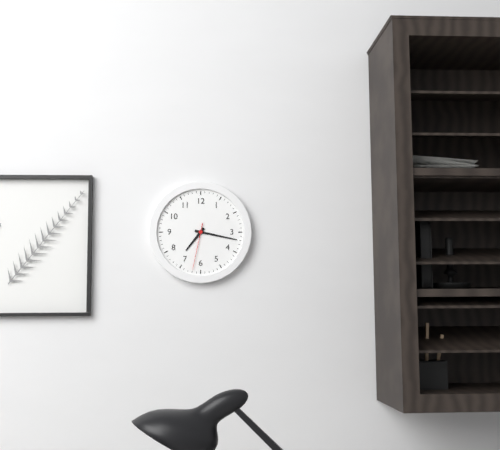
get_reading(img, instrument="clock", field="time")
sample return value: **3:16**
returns **7:17**
